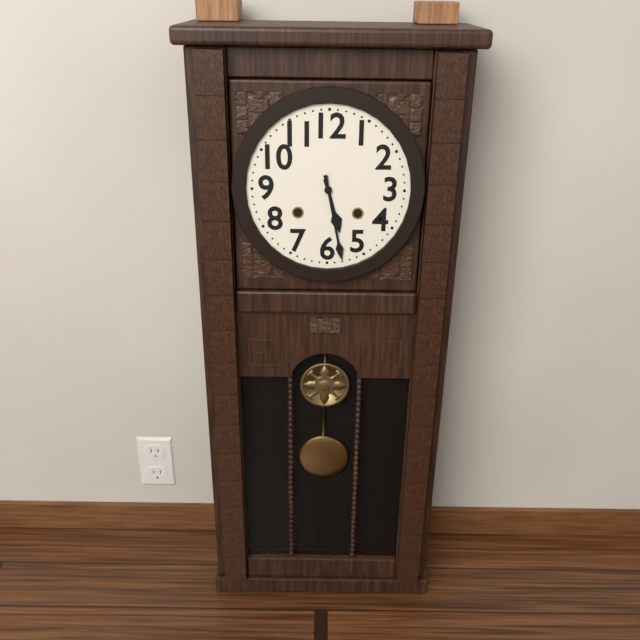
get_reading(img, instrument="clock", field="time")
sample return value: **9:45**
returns **5:28**
